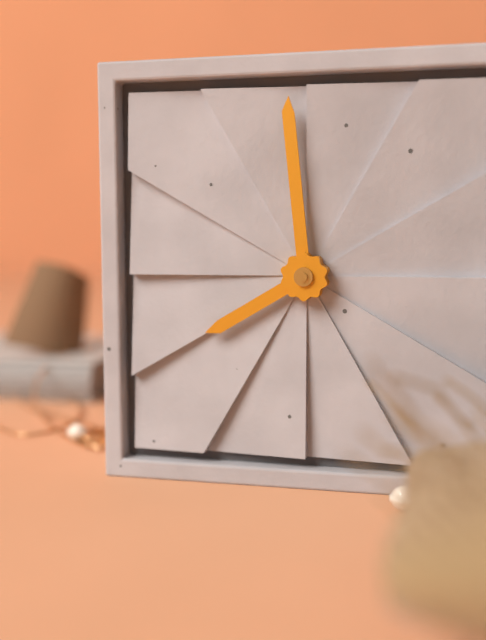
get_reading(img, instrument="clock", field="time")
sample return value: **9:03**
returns **7:59**
